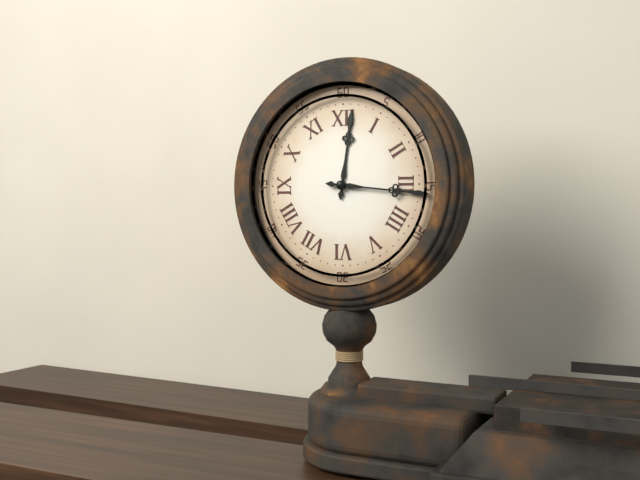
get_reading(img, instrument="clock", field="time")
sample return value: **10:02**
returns **12:16**
